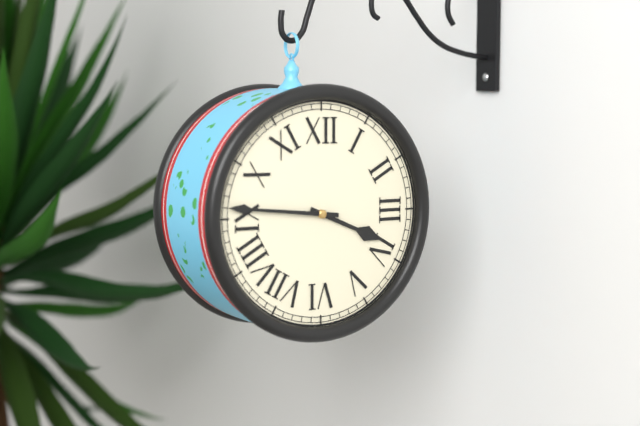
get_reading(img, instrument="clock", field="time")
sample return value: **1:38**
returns **3:46**
